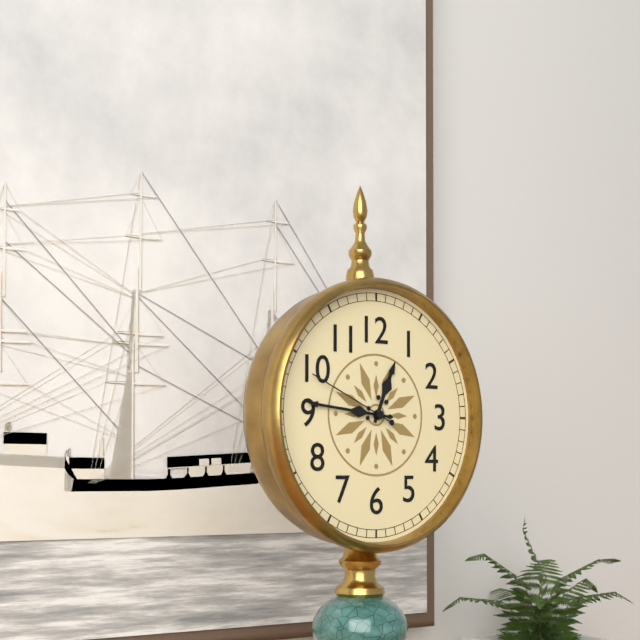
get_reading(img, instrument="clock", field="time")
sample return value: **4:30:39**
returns **12:46:49**
